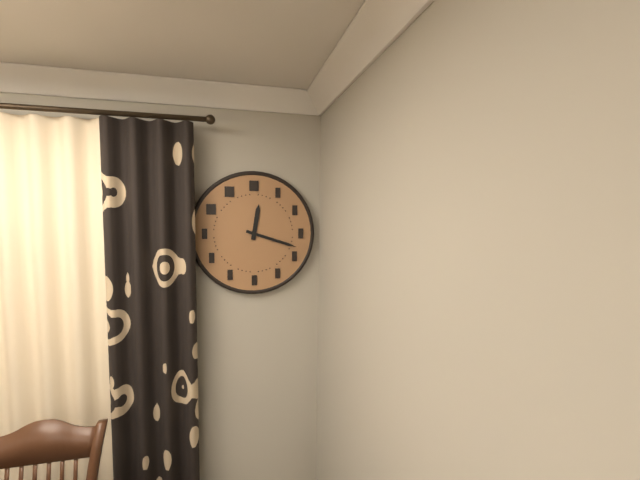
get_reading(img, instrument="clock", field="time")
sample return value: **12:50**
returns **12:18**
